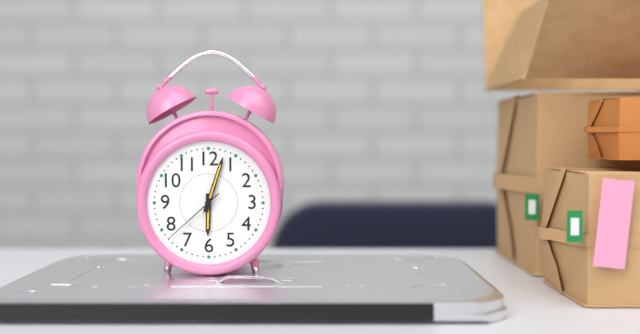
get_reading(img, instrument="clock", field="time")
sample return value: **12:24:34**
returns **6:03:38**
